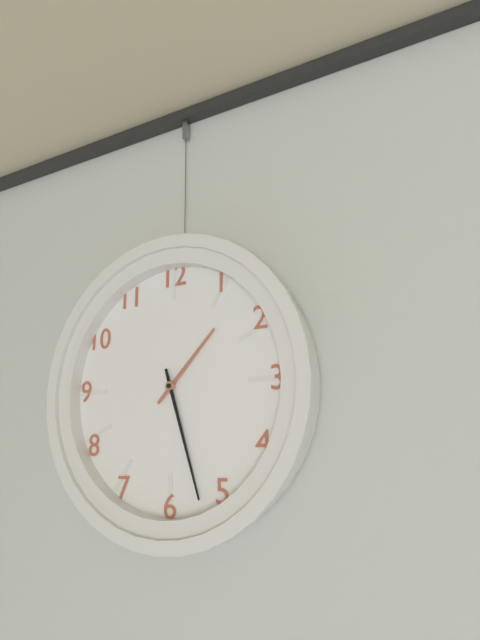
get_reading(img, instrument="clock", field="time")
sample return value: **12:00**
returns **1:27**
